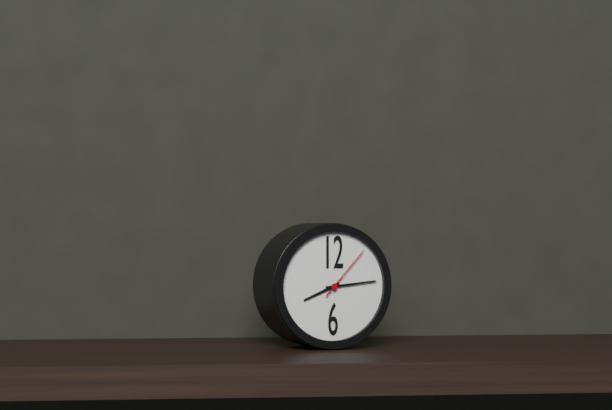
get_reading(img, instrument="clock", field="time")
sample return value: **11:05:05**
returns **8:14:07**
